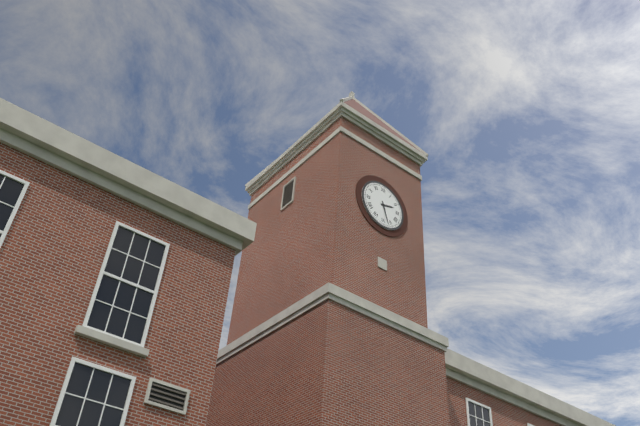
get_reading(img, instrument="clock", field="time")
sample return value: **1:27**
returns **2:27**
